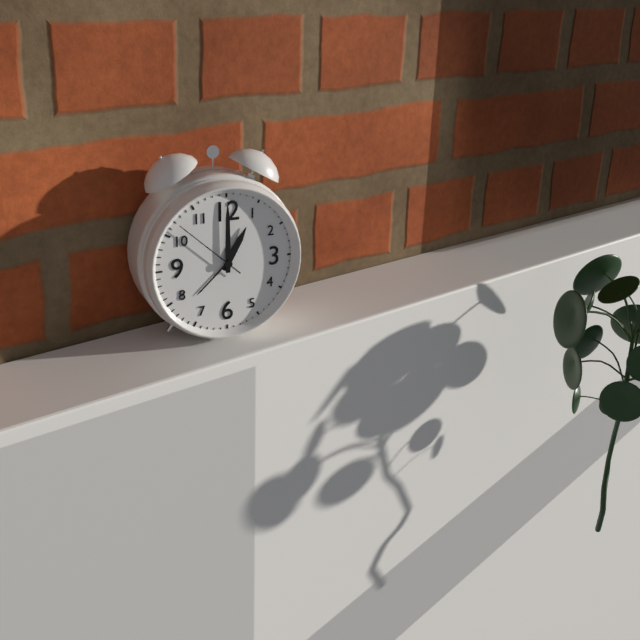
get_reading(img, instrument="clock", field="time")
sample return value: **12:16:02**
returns **1:00:52**
